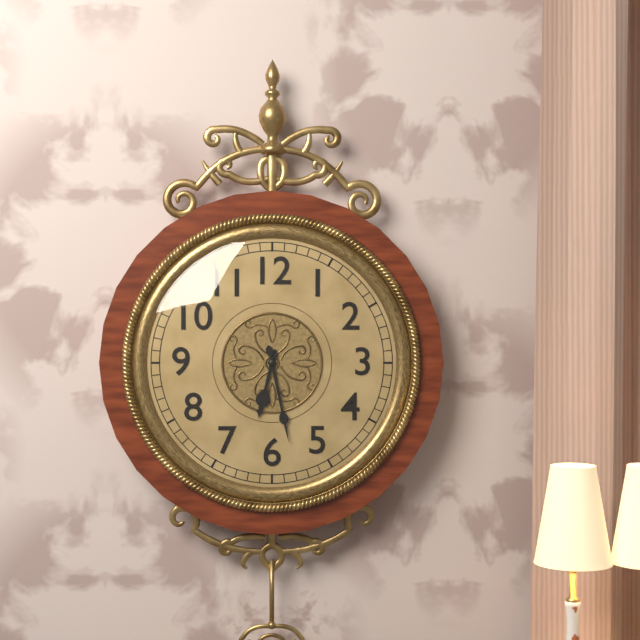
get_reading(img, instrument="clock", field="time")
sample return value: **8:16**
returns **6:28**
